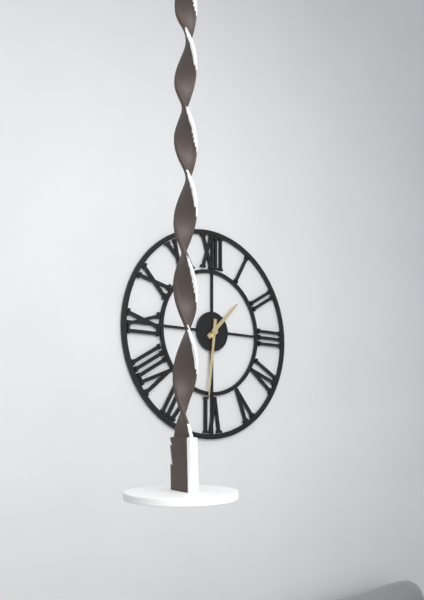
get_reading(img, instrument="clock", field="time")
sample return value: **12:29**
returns **1:31**
